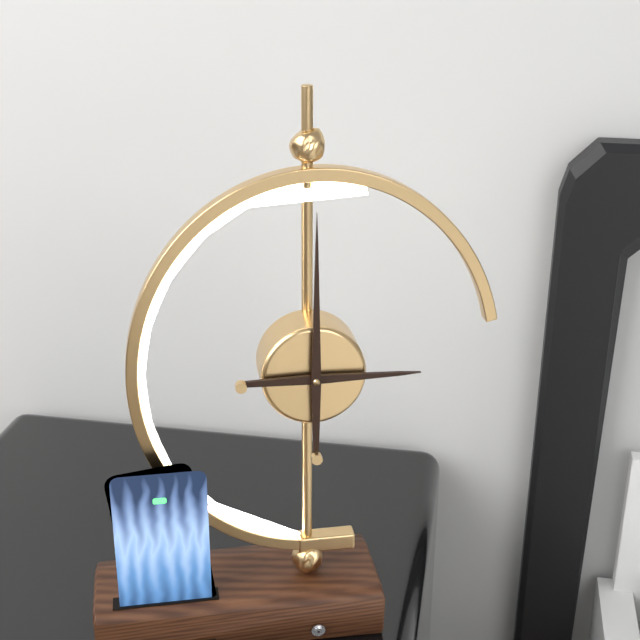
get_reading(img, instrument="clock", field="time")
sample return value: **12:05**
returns **3:00**
